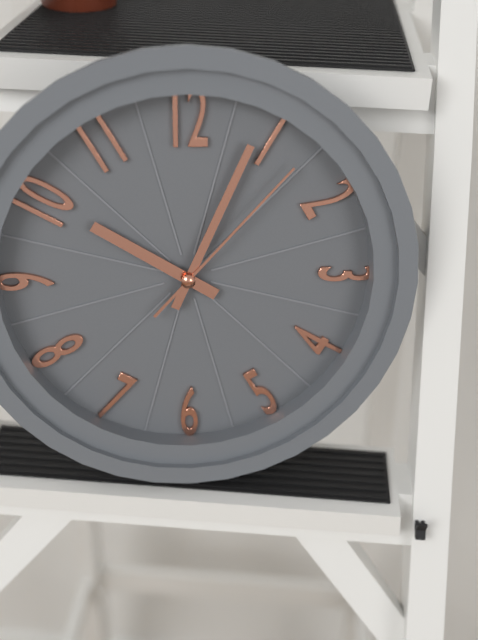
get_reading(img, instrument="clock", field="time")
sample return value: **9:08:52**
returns **10:04:07**
